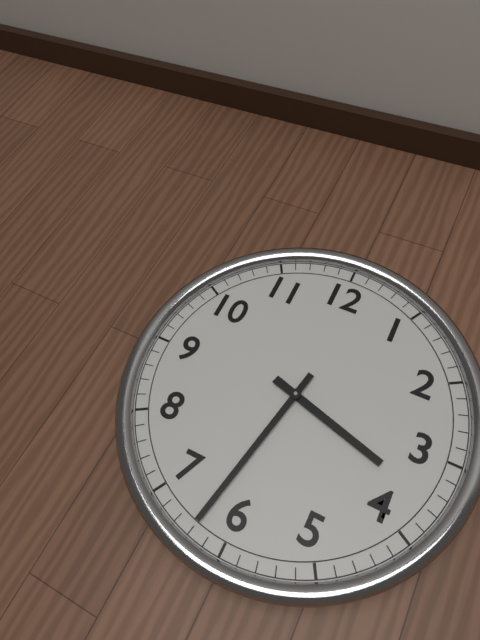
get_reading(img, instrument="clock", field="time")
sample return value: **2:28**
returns **3:32**
